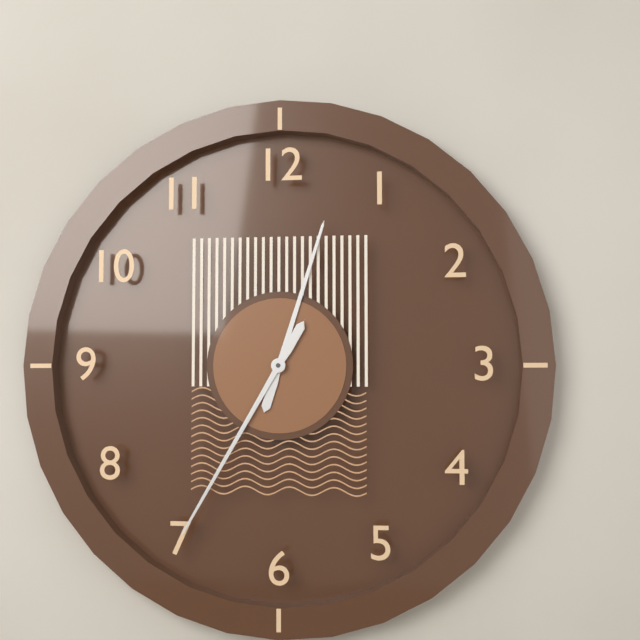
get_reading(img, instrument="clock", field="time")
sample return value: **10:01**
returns **12:35**
